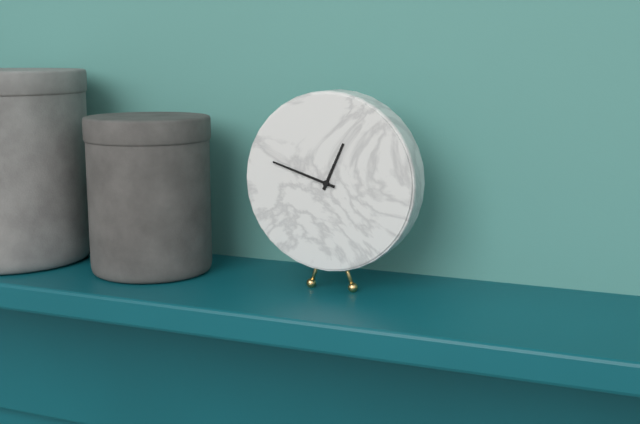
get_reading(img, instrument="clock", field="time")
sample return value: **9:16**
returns **12:48**
